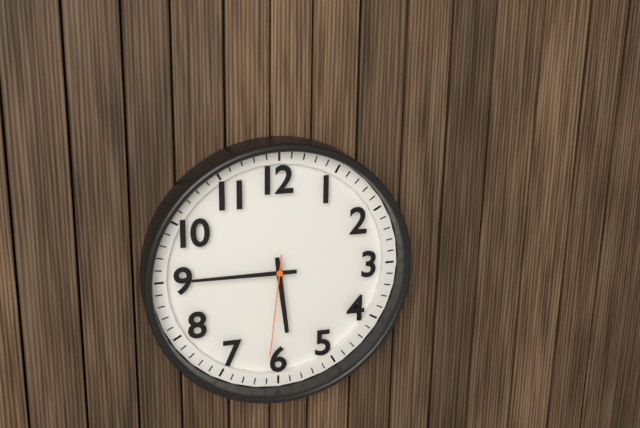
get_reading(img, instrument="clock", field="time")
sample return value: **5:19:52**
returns **5:45:31**
